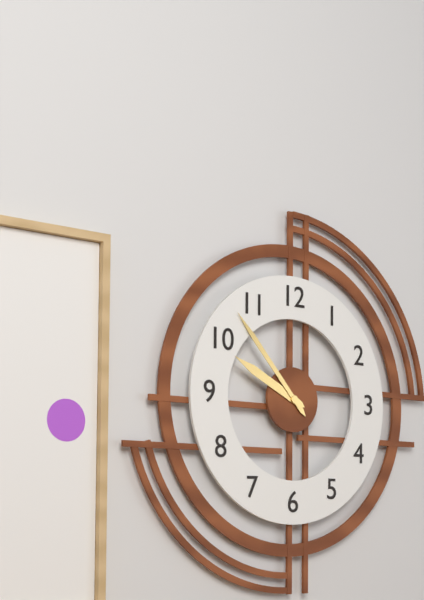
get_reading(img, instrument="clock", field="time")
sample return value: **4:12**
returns **9:53**
